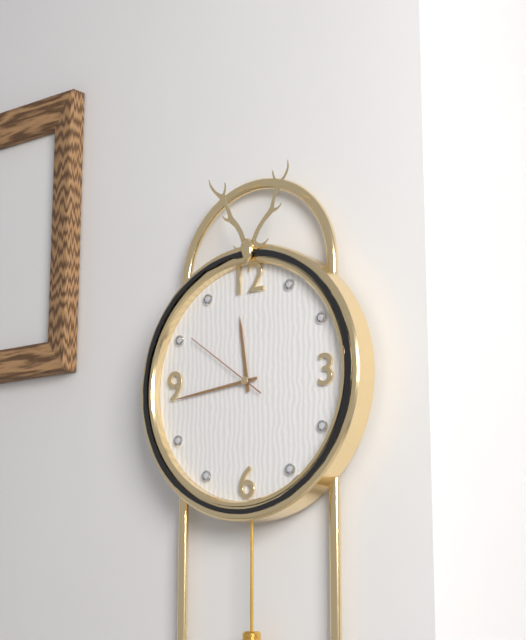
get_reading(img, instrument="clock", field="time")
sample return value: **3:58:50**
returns **11:44:51**
